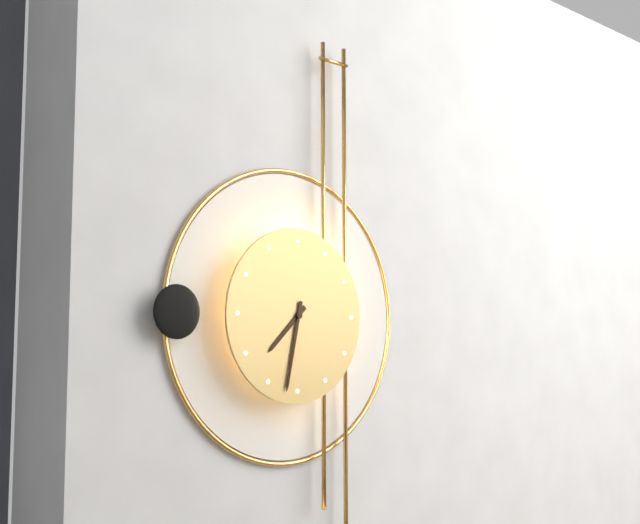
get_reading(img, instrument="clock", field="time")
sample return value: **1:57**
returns **7:32**
